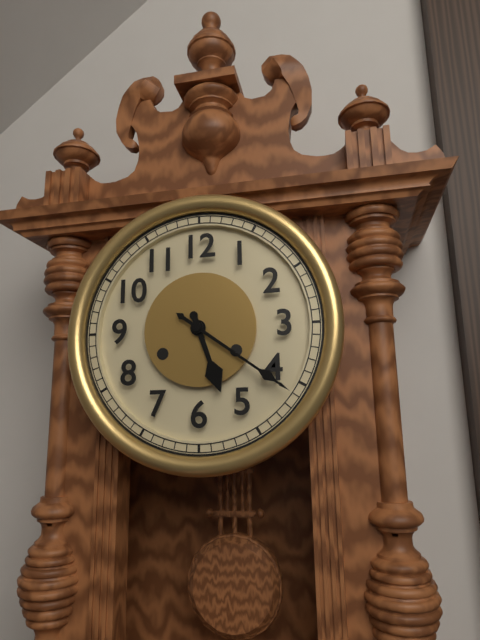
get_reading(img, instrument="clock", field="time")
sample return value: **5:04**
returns **5:21**
